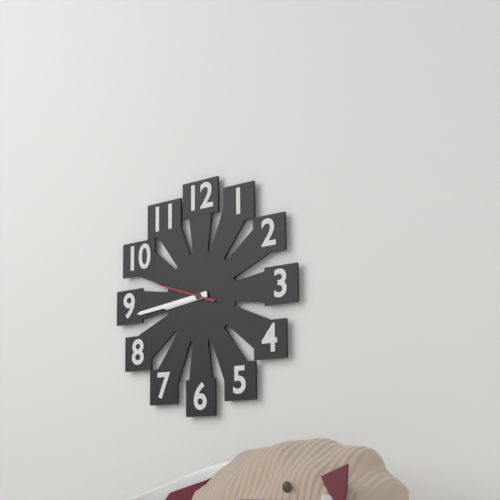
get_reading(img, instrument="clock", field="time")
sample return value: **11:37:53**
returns **8:44:48**
